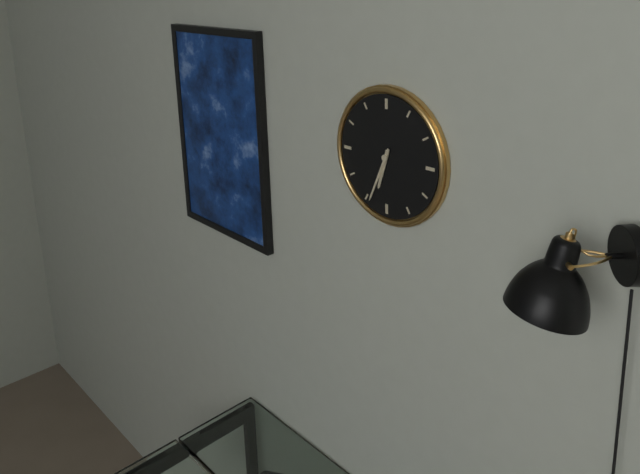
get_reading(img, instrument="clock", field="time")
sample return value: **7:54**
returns **6:34**
